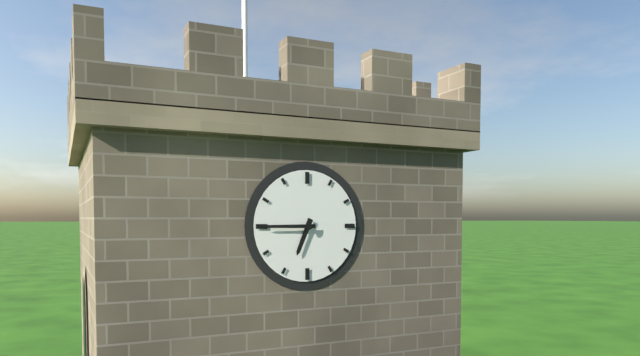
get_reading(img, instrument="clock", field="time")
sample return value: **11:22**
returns **6:45**
